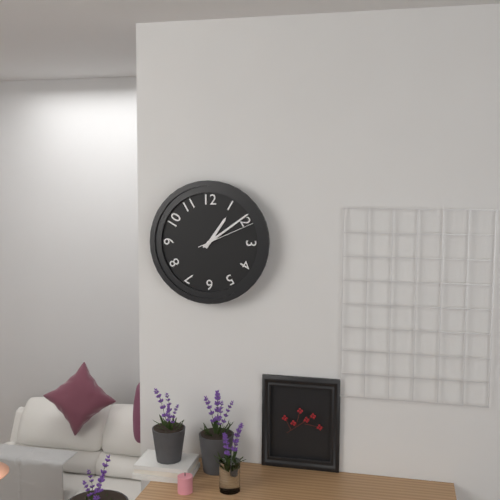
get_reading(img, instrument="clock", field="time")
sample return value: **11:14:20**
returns **1:09:11**
